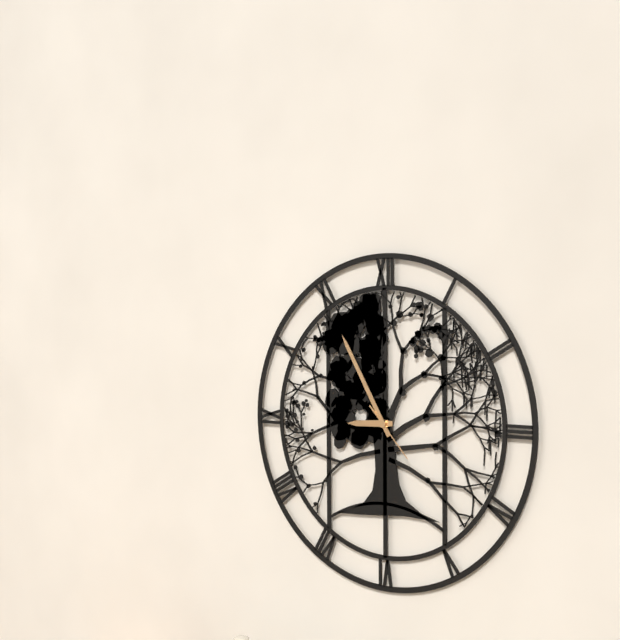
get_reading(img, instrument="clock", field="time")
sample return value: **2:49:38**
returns **8:55:23**
